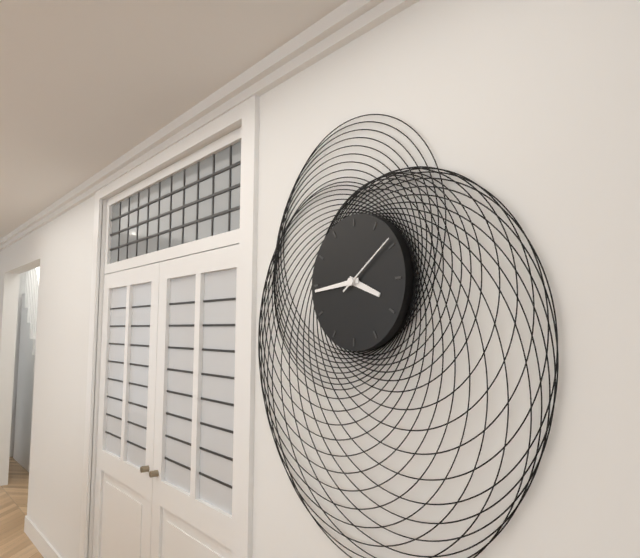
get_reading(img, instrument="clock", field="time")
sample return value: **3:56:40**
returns **3:44:09**
